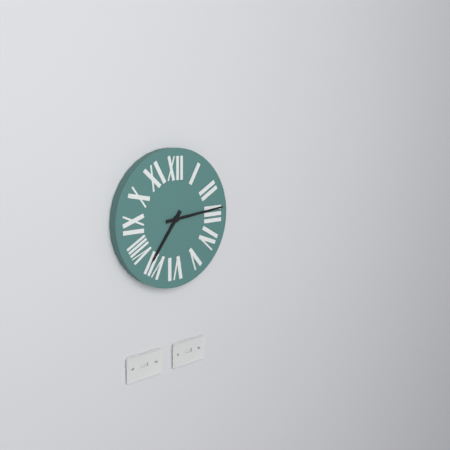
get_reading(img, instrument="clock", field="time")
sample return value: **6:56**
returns **7:14**
